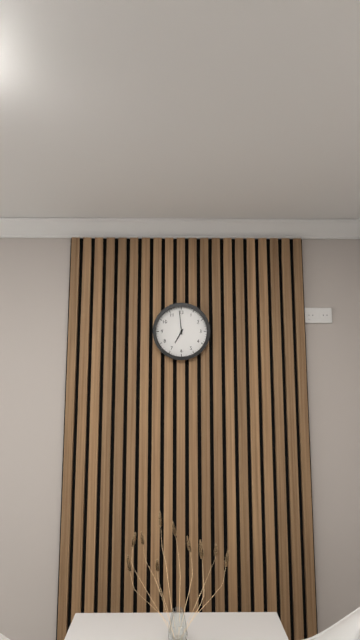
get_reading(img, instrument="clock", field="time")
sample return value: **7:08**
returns **6:59**
